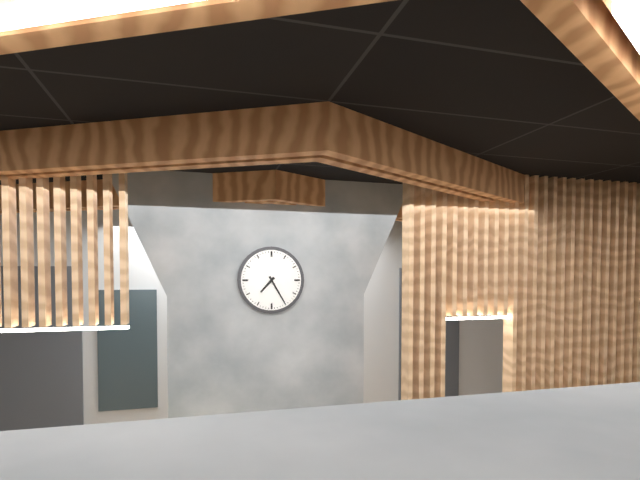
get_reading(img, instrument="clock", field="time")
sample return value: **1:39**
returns **7:25**
